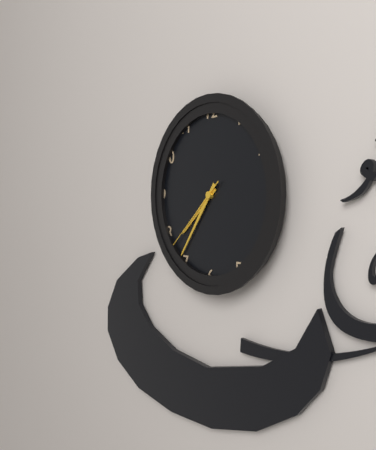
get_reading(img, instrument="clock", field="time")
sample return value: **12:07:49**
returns **7:36:38**
